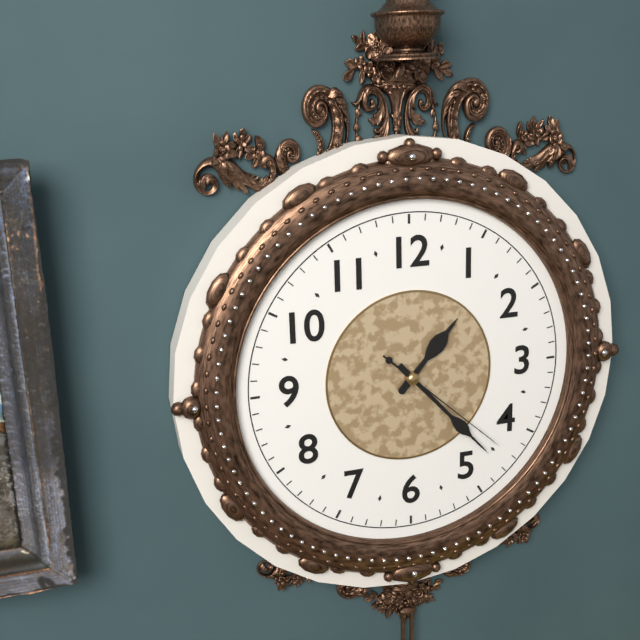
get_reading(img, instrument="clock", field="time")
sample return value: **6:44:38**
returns **1:23:22**
